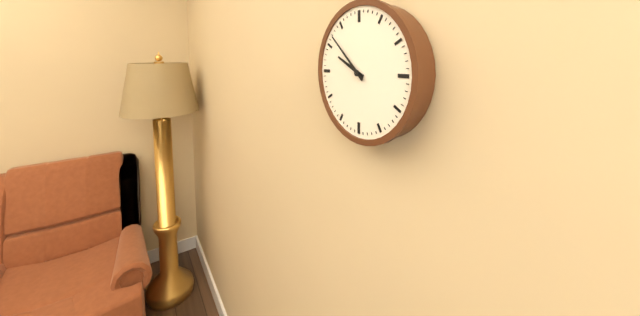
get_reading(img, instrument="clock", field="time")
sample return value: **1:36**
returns **9:52**
